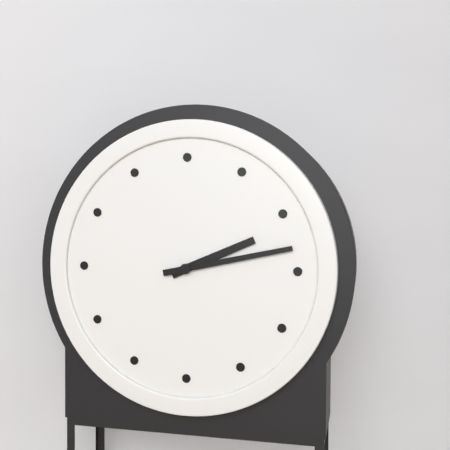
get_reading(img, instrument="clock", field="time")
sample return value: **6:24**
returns **2:13**
